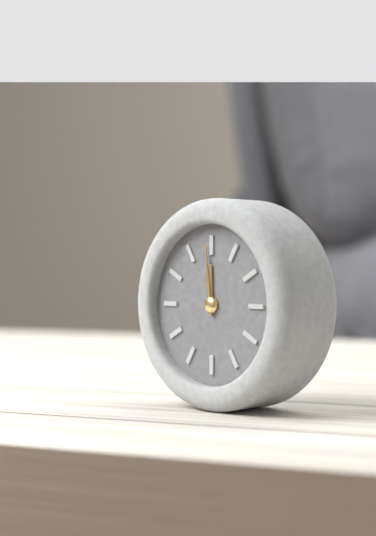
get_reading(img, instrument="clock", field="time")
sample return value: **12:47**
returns **11:59**
